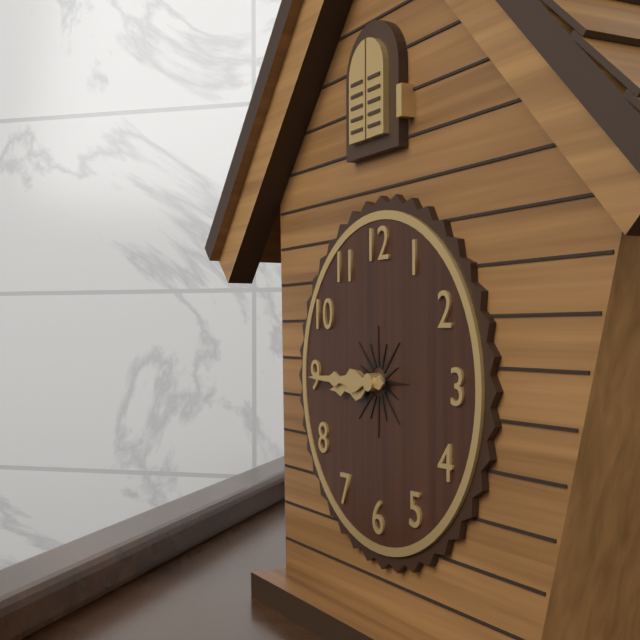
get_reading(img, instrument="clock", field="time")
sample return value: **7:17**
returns **8:45**
